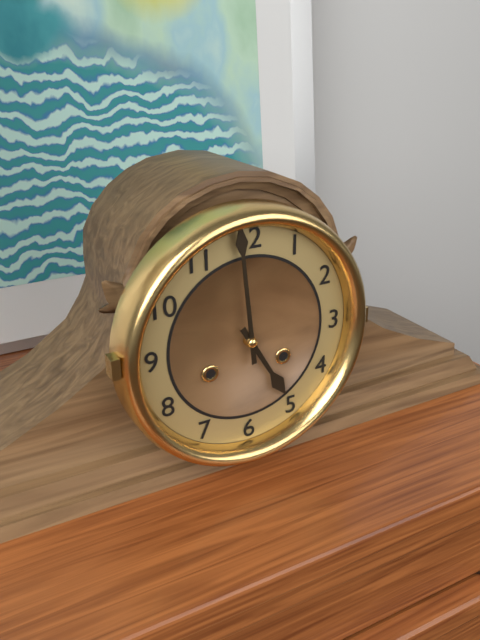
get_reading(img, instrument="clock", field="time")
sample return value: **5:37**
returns **4:59**
